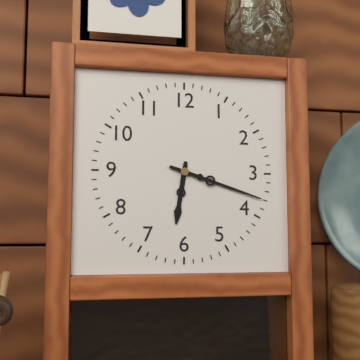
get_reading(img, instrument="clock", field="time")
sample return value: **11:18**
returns **6:18**
